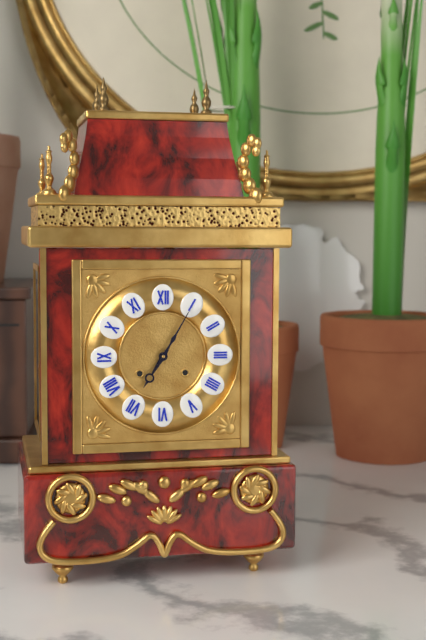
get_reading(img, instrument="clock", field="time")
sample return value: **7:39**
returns **7:05**
